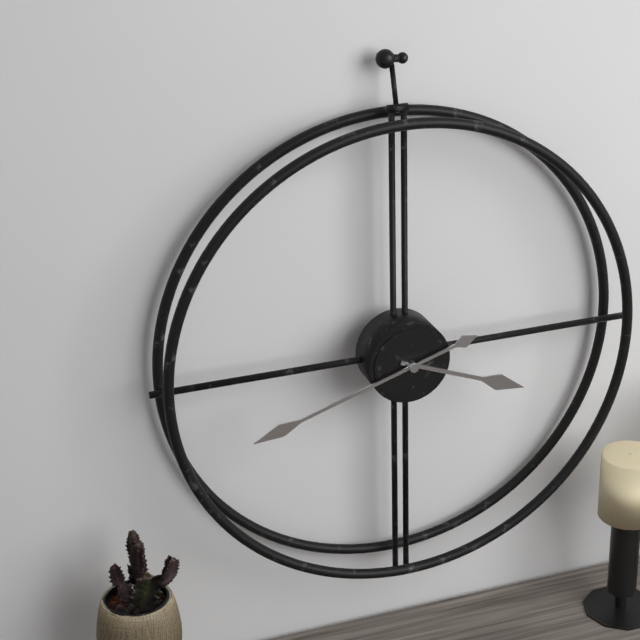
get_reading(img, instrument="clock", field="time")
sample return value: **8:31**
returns **3:42**
